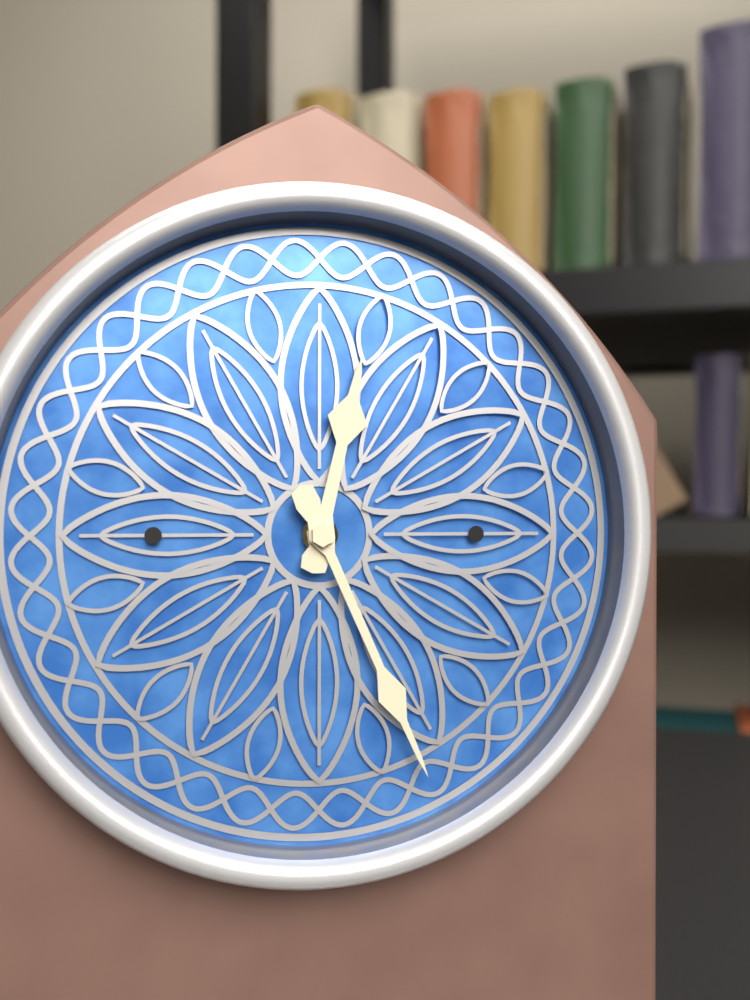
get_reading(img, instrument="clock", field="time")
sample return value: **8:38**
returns **12:26**
